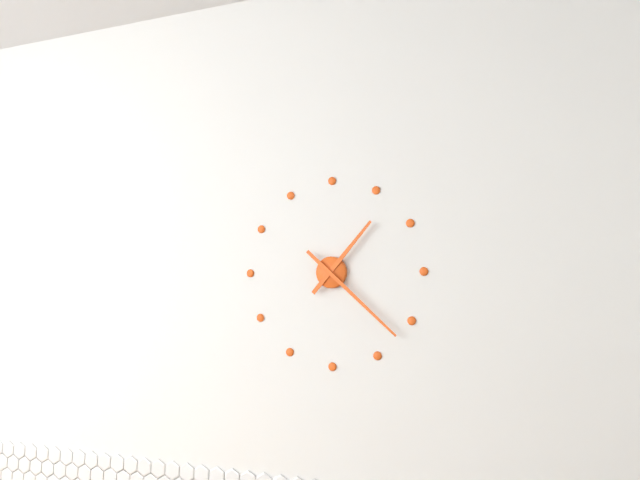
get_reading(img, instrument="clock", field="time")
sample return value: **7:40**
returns **1:22**
